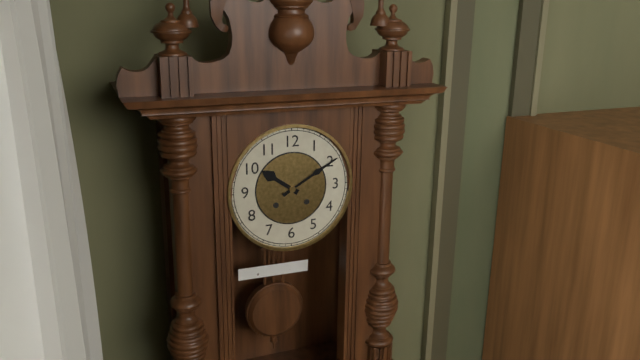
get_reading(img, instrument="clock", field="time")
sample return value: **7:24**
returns **10:10**
